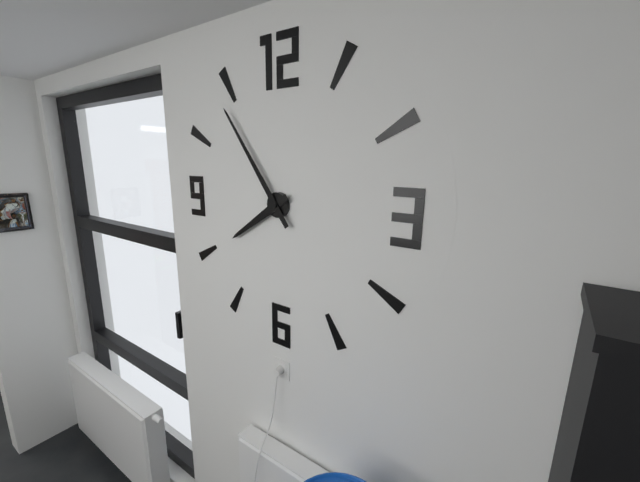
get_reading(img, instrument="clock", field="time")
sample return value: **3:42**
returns **7:54**
